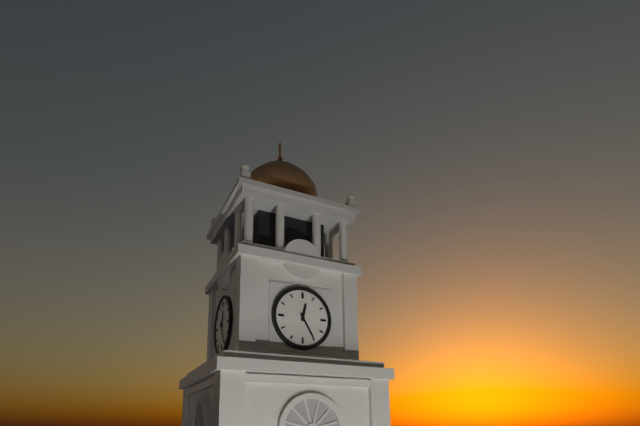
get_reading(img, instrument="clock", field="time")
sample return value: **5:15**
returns **12:25**
